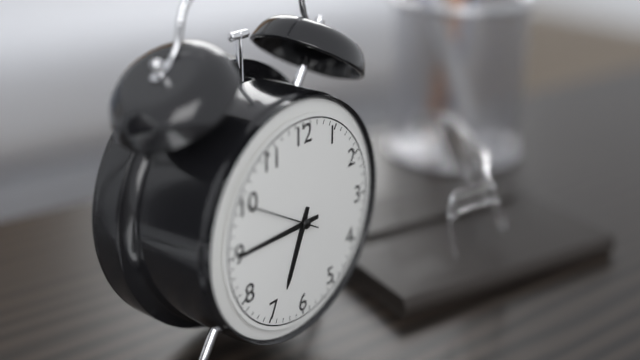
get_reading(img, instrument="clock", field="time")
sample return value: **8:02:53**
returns **6:45:50**
